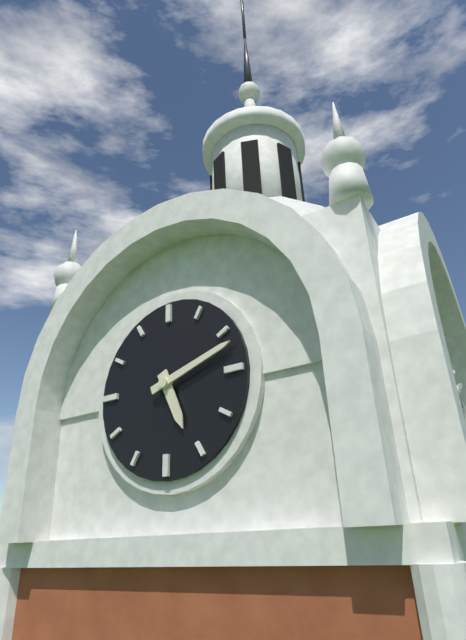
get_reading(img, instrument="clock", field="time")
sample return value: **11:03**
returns **5:12**
